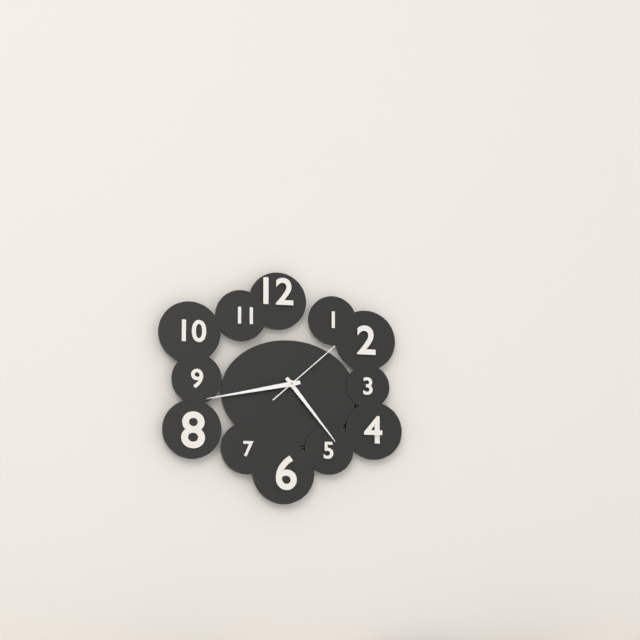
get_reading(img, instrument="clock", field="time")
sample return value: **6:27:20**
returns **4:43:08**
